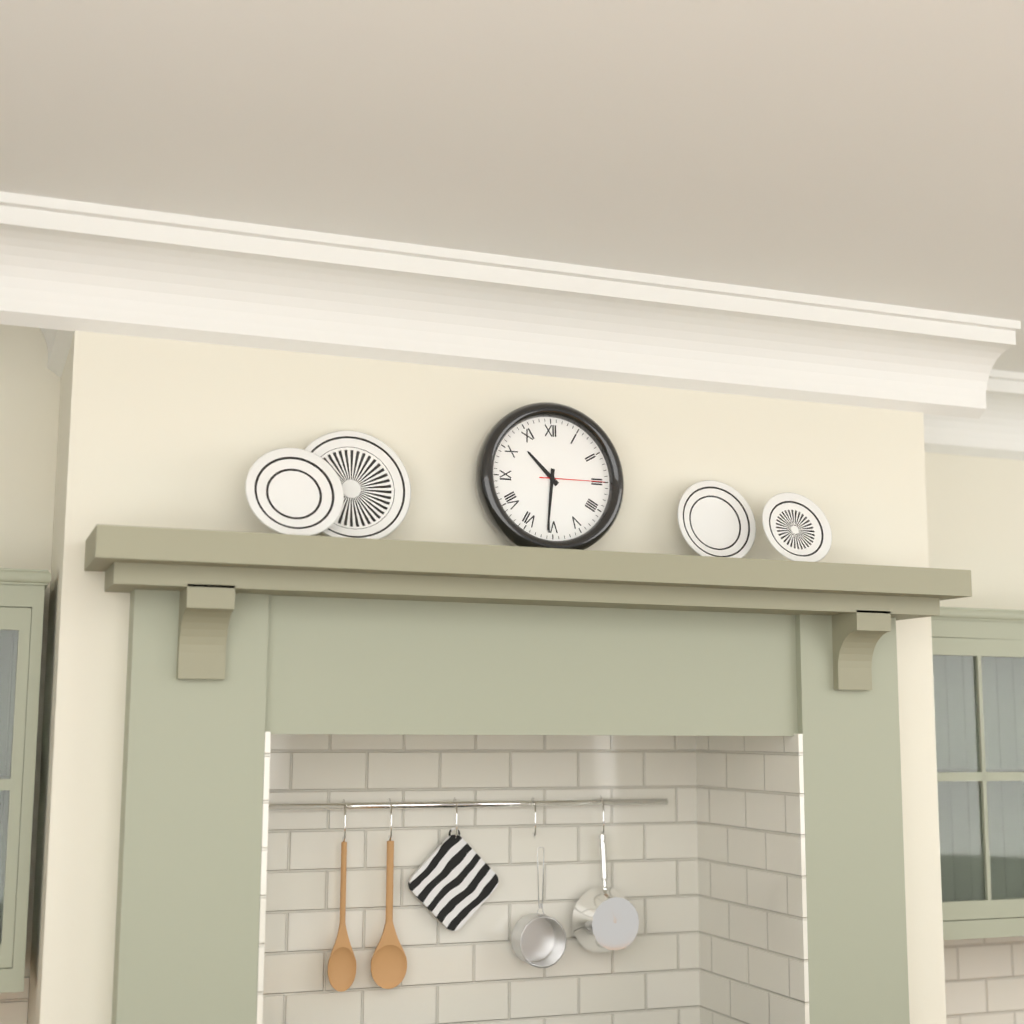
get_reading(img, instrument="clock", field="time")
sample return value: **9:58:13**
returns **10:31:15**
